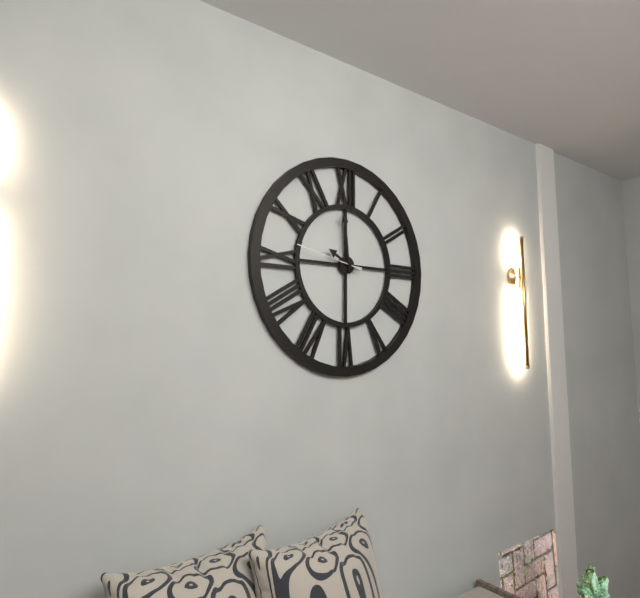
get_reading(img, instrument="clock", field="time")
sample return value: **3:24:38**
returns **9:59:47**
